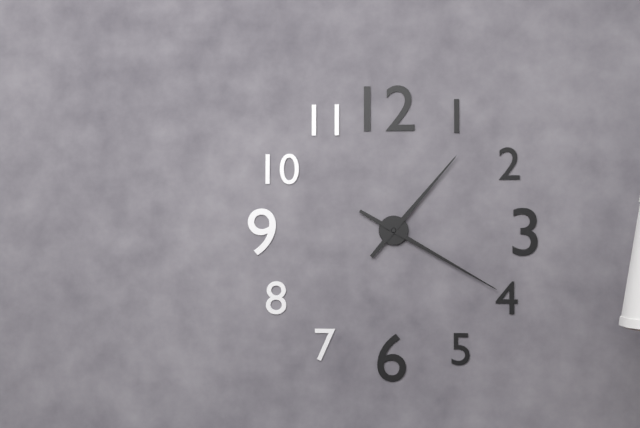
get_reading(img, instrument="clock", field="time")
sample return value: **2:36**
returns **1:20**
